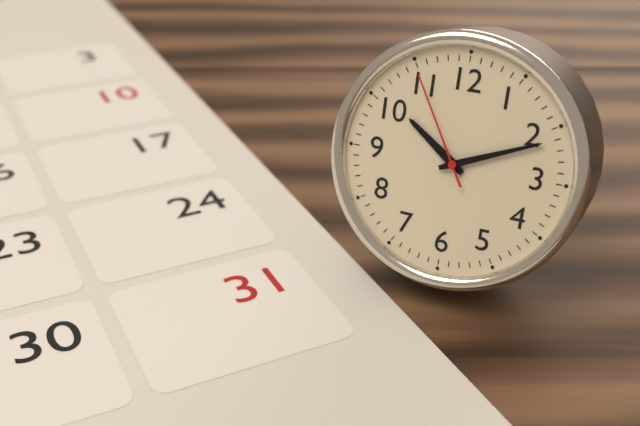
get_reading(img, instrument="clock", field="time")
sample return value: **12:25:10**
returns **10:11:55**
